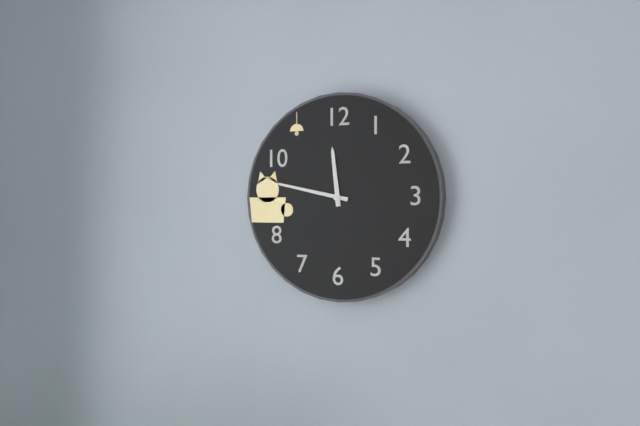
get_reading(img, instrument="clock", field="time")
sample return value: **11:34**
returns **11:47**
